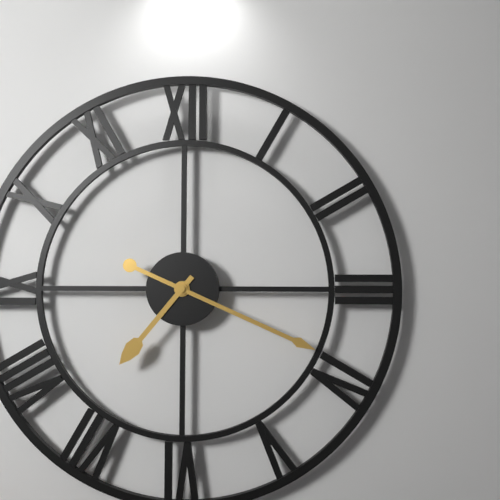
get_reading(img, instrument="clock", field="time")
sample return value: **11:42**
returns **7:19**
